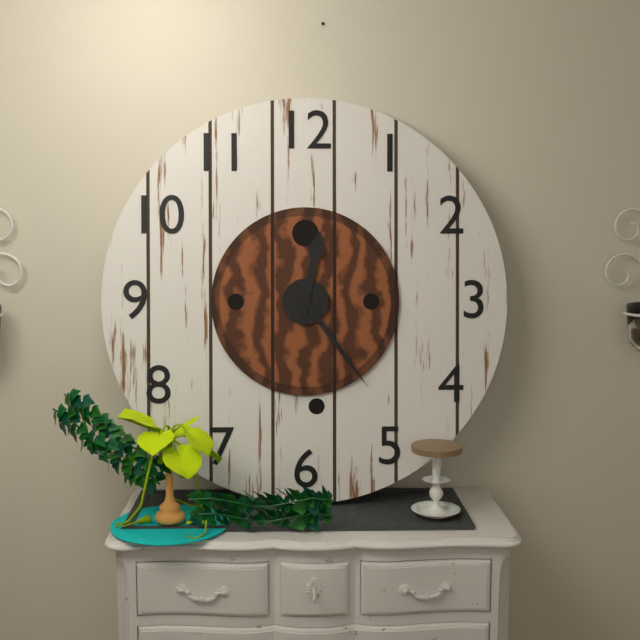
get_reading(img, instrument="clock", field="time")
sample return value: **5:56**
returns **12:24**
